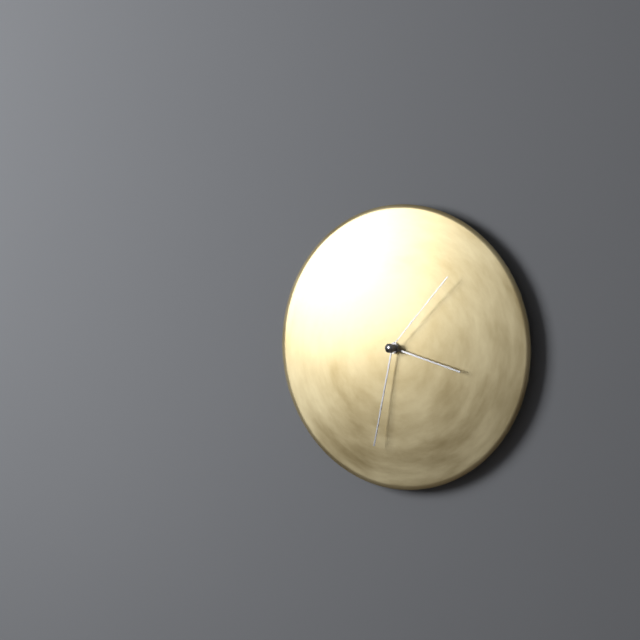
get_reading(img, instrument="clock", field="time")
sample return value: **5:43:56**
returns **3:32:07**
